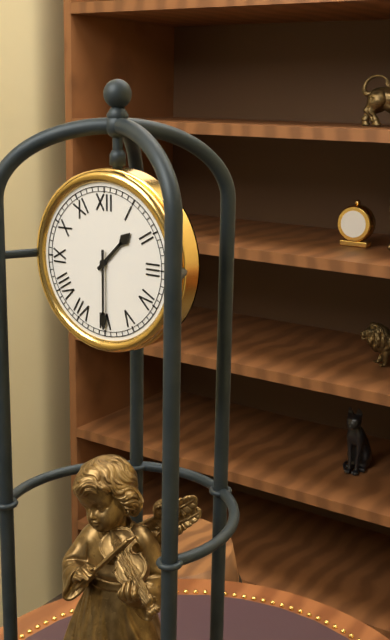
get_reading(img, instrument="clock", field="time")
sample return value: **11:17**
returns **1:30**
